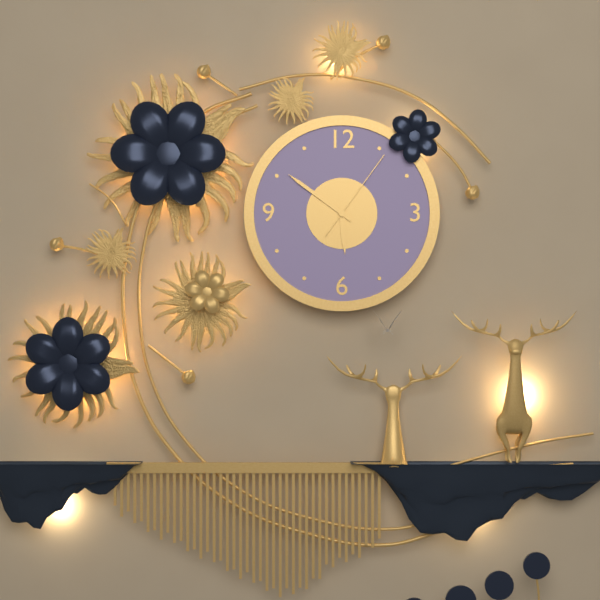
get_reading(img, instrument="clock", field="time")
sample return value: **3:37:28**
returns **5:51:06**
